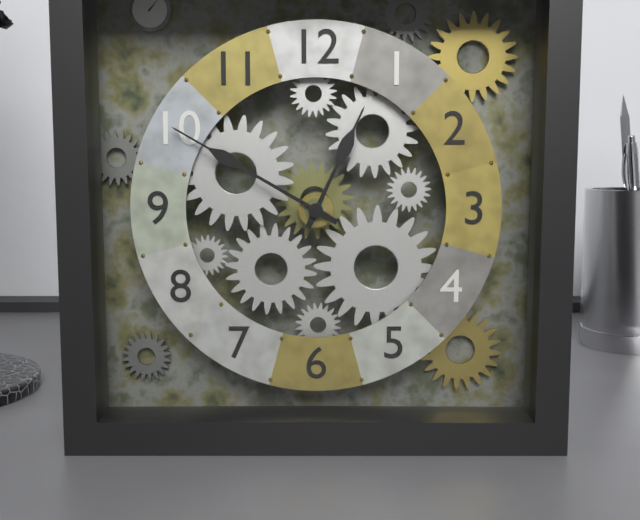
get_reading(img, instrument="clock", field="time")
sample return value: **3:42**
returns **12:50**
